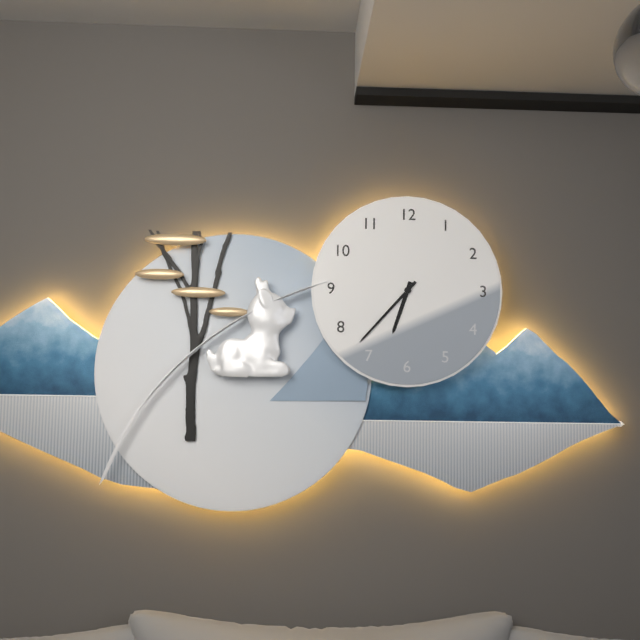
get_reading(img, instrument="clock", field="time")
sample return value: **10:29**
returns **6:37**
